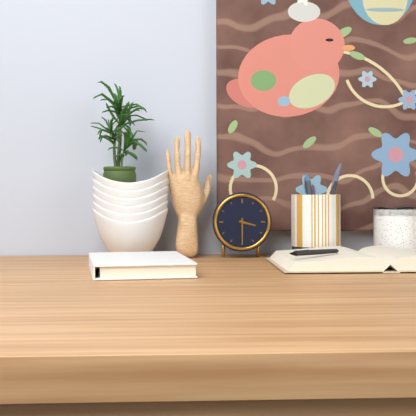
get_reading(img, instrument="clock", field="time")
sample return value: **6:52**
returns **3:30**
